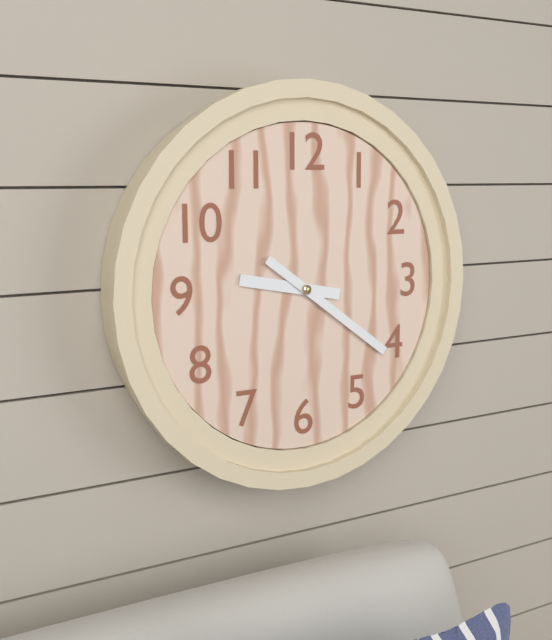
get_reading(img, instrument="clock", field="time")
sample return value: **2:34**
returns **9:21**
